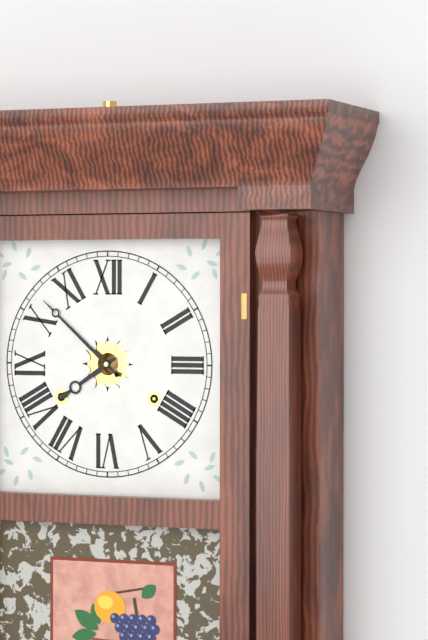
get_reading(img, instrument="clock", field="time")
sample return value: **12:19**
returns **7:52**
